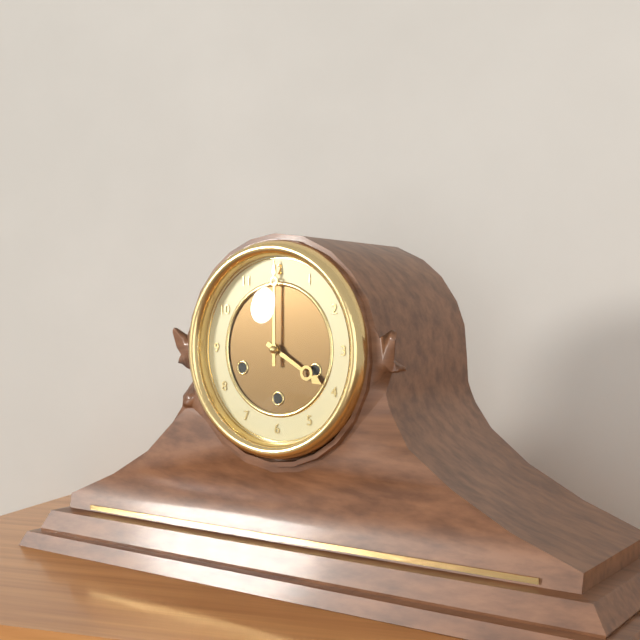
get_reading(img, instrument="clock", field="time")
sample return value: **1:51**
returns **4:00**
